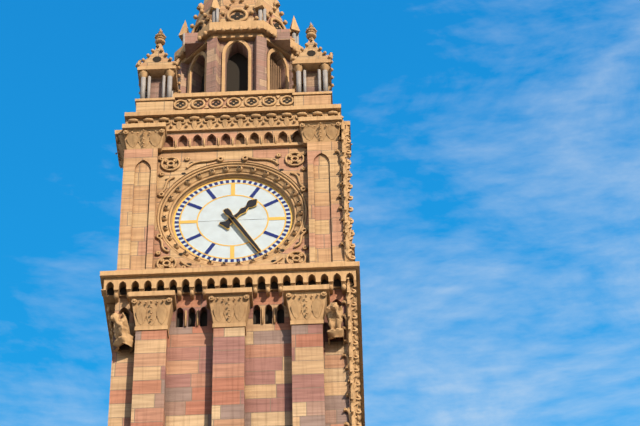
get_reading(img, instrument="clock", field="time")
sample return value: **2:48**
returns **1:25**
